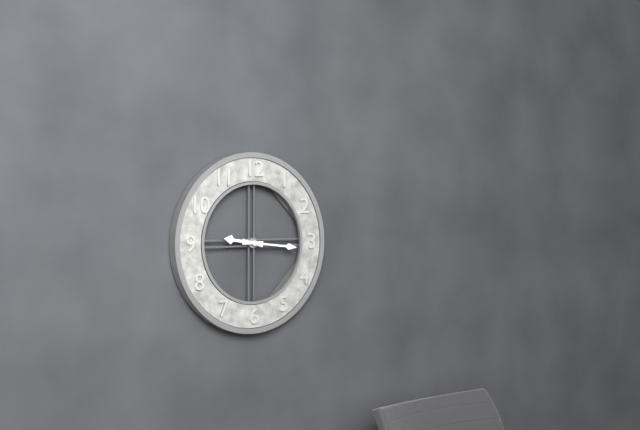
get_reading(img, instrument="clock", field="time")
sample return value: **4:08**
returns **9:16**
